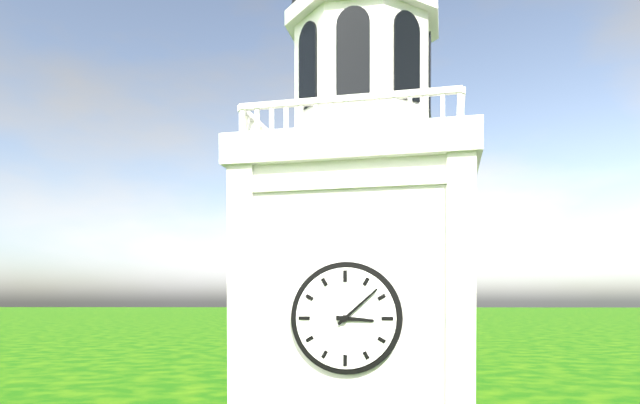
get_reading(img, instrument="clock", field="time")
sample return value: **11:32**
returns **3:08**
